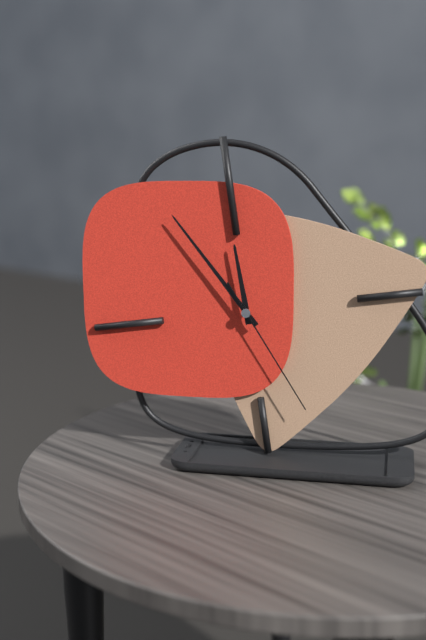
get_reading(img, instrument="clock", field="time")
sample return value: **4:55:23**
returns **11:55:26**
